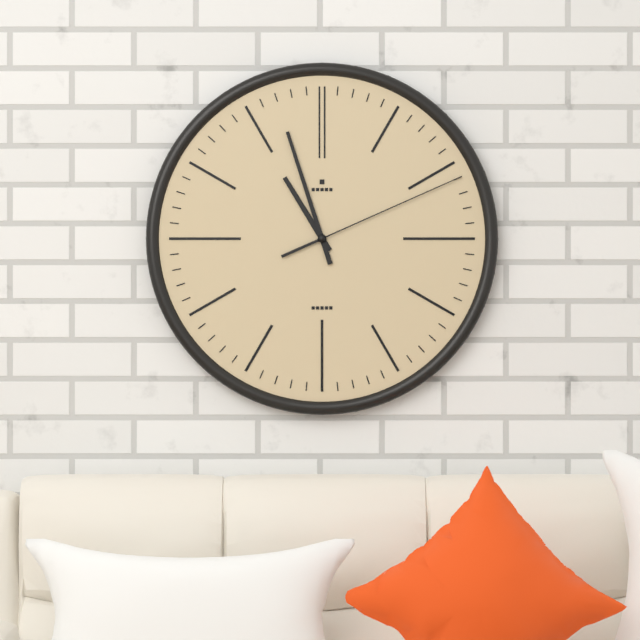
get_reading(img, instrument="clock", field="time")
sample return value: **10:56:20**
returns **10:57:11**
